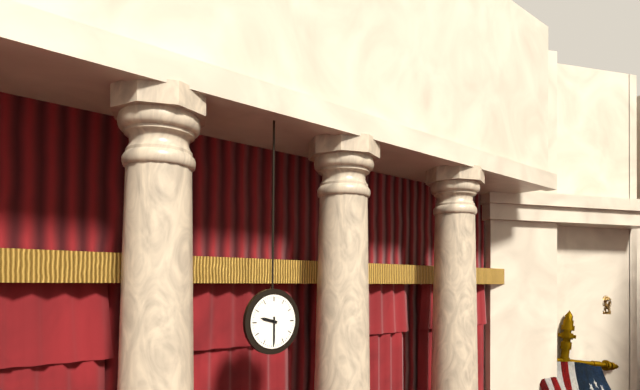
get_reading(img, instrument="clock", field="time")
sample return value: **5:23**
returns **9:30**
